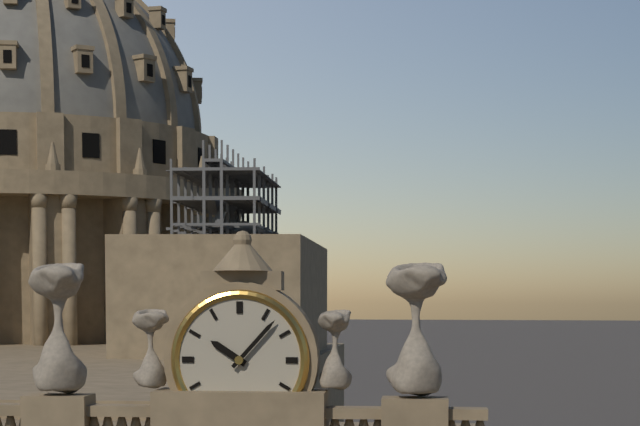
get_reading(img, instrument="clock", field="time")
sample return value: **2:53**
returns **10:07**
